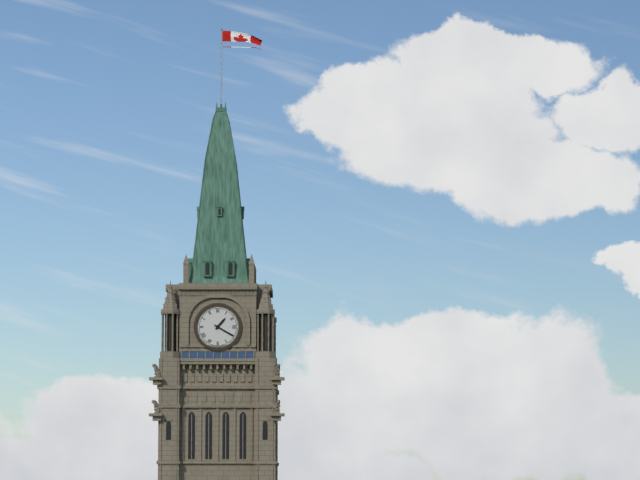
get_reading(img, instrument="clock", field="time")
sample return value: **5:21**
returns **1:20**
